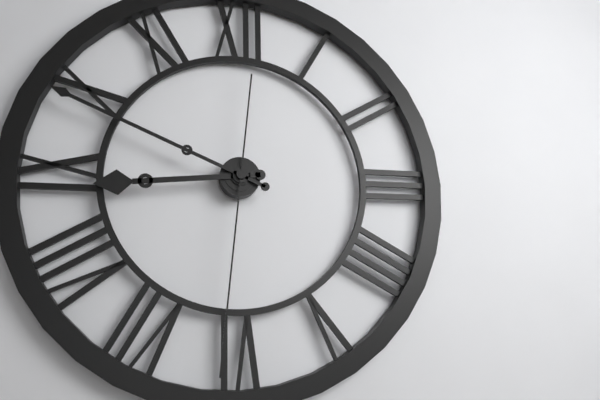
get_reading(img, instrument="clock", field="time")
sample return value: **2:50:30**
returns **8:49:31**
